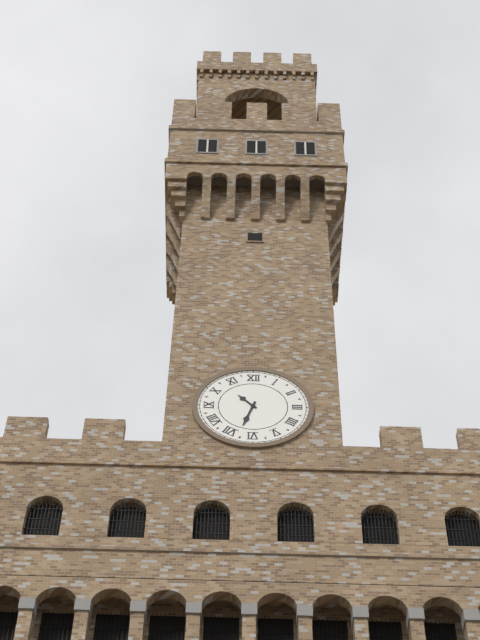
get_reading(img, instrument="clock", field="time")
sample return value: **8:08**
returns **10:33**
